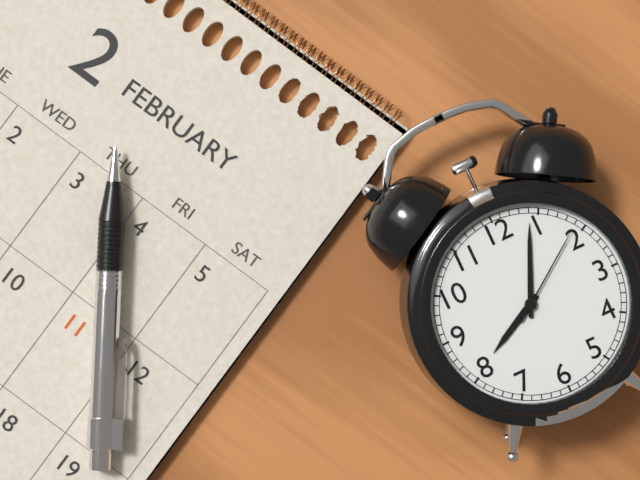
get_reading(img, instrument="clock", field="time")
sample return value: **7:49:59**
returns **8:04:09**
